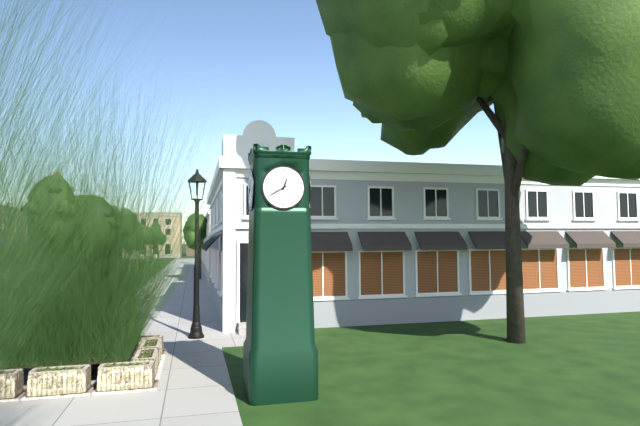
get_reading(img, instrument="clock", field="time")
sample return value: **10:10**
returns **12:40**
